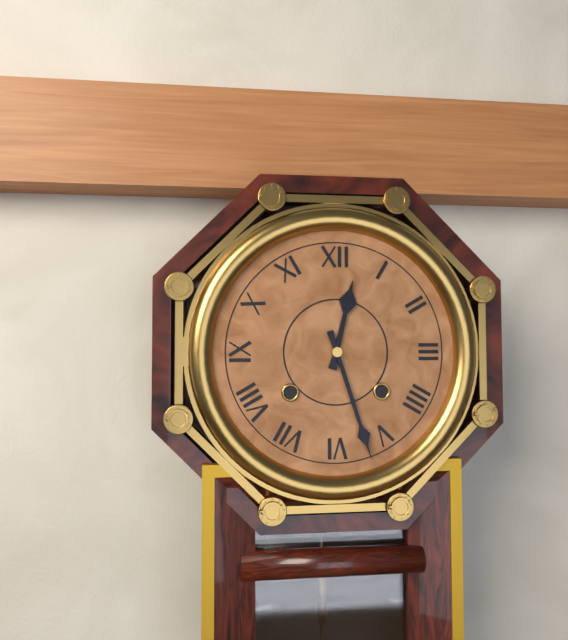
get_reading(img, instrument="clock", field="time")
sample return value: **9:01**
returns **12:27**
